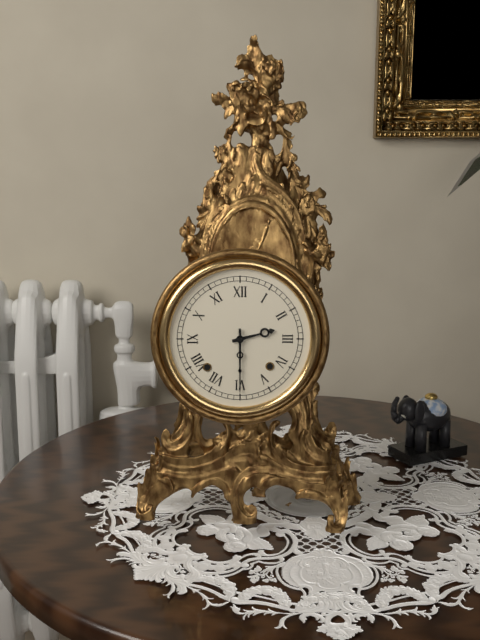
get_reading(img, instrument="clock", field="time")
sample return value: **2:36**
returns **2:30**
